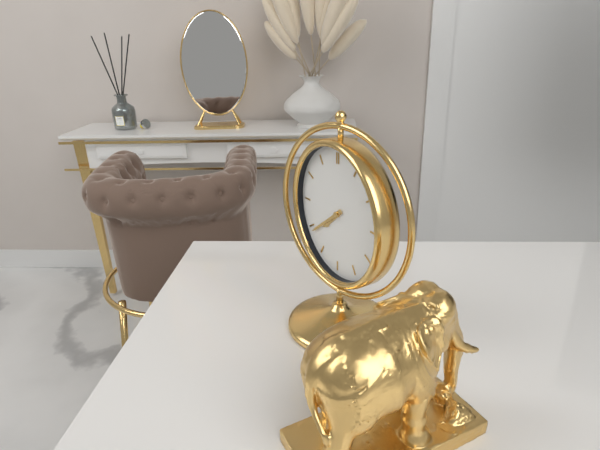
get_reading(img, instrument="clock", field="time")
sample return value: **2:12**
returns **7:39**
